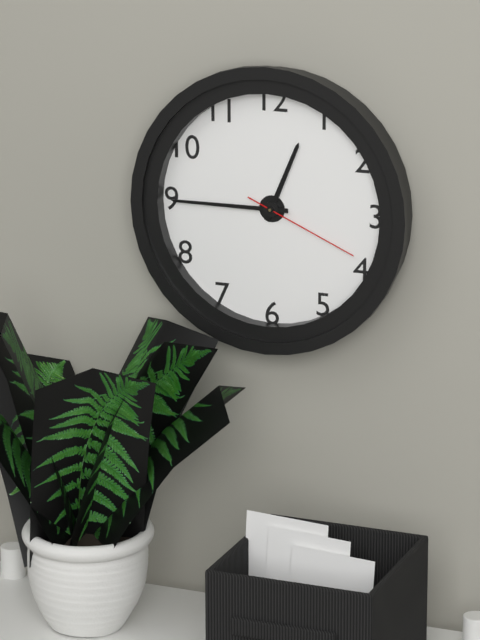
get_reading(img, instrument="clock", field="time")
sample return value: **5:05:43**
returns **12:45:19**
